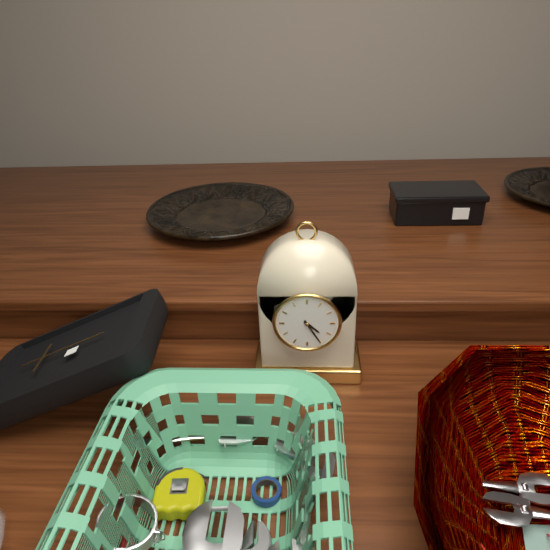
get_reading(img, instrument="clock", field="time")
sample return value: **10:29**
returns **4:25**
